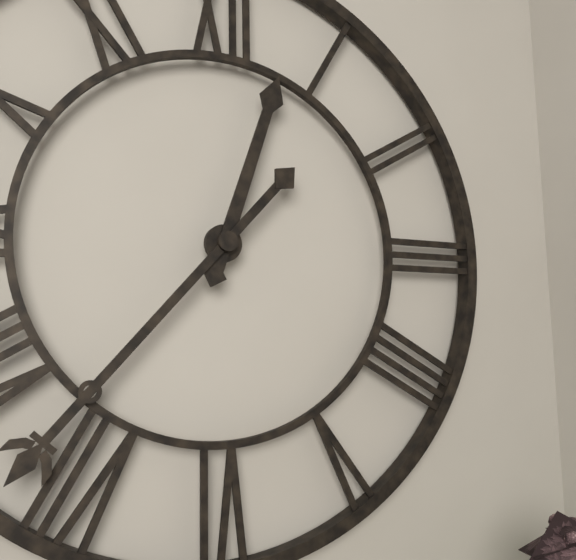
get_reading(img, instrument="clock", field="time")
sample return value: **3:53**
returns **12:37**
